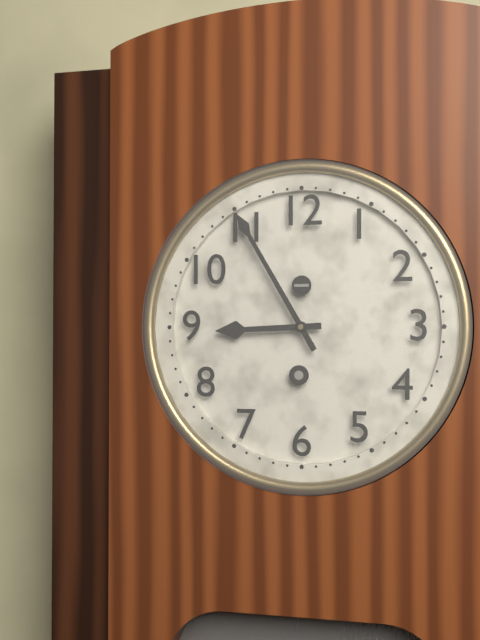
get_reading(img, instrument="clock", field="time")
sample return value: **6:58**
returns **8:55**
